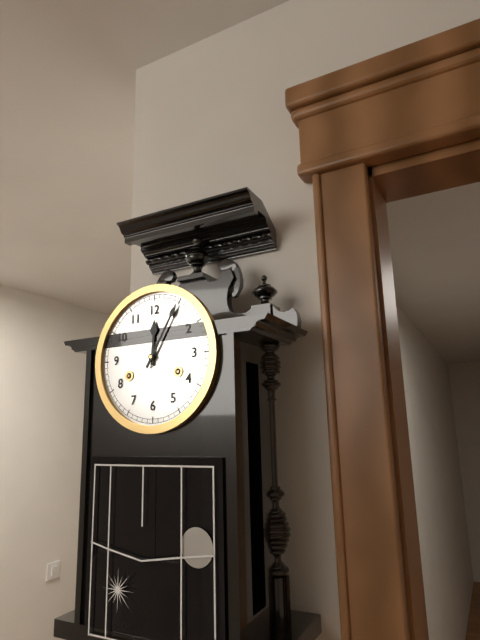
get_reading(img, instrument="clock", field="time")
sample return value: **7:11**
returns **12:05**
